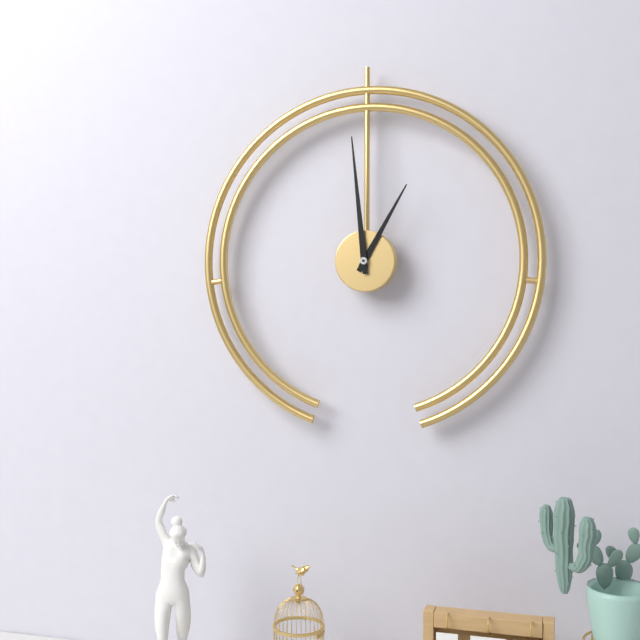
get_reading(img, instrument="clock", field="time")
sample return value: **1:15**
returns **12:59**
